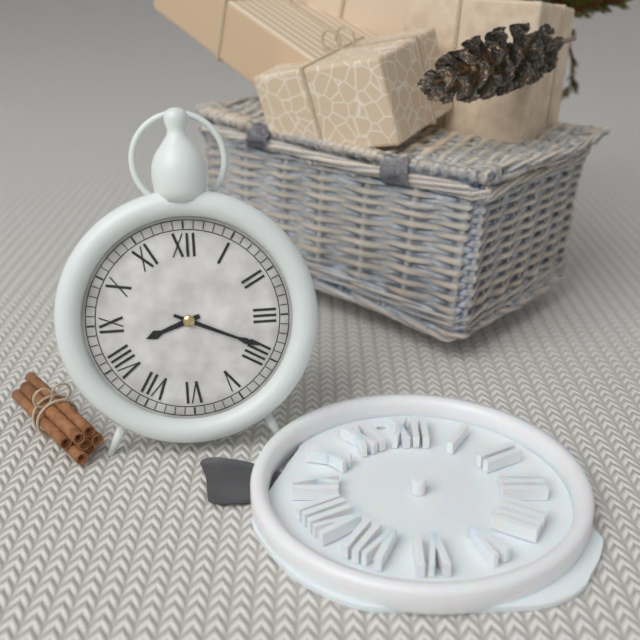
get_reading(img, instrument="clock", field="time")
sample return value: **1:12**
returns **8:19**
